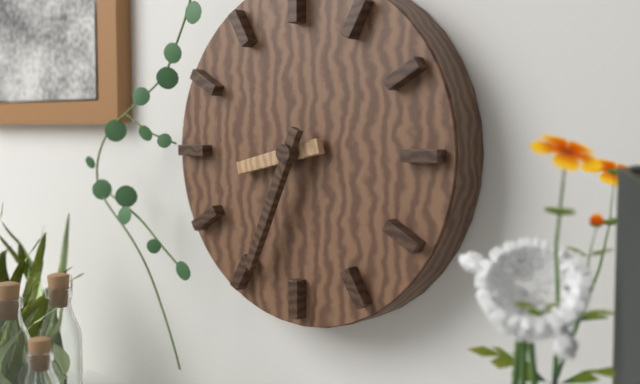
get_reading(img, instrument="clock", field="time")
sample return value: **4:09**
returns **8:34**
